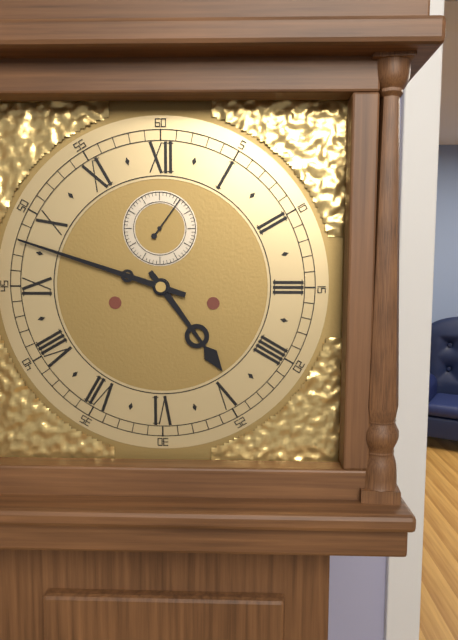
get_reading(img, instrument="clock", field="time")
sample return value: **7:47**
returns **4:48**
